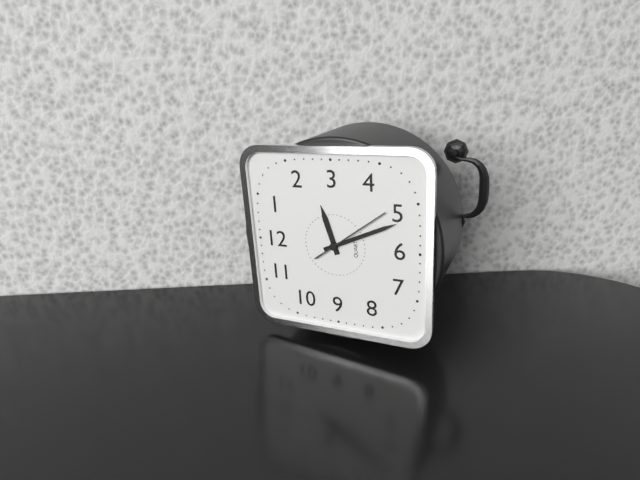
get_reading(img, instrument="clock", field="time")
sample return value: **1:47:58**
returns **2:26:24**
